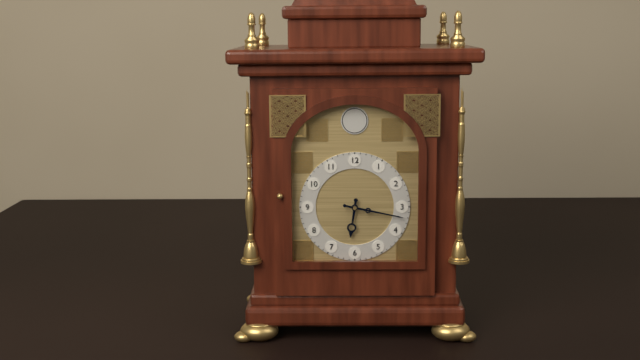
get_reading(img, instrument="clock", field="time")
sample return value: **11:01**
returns **6:17**
